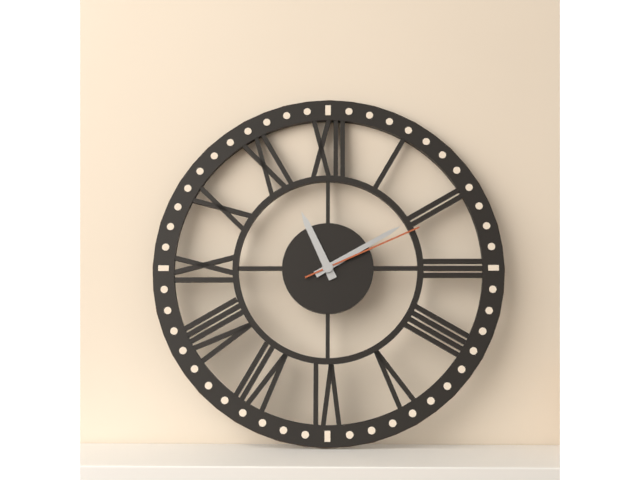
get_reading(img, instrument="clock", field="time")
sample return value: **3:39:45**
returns **11:10:11**
